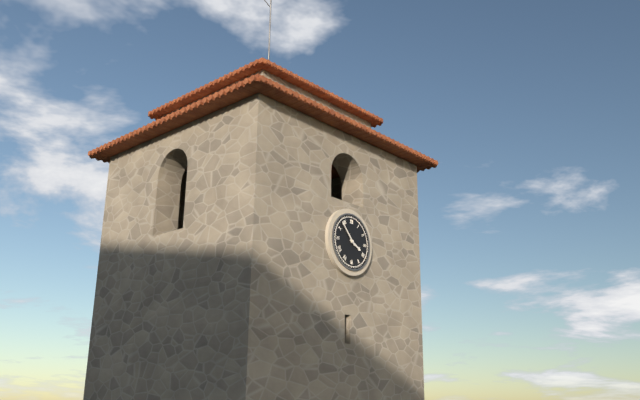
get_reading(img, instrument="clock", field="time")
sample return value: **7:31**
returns **3:53**
